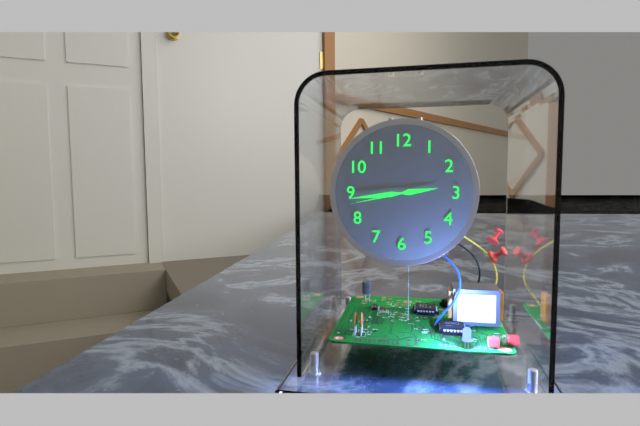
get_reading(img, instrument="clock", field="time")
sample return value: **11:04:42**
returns **2:44:43**
